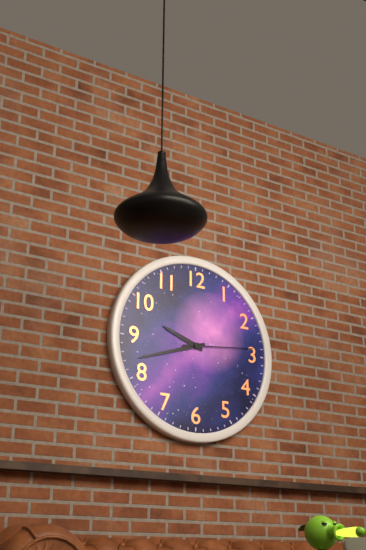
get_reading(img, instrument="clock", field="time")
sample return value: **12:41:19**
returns **9:42:14**
